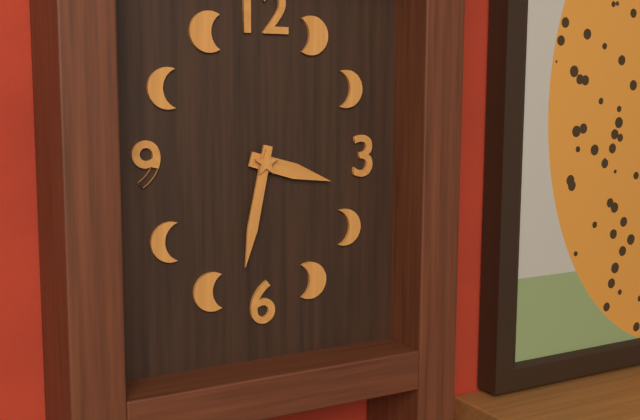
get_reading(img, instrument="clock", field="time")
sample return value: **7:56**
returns **3:32**
